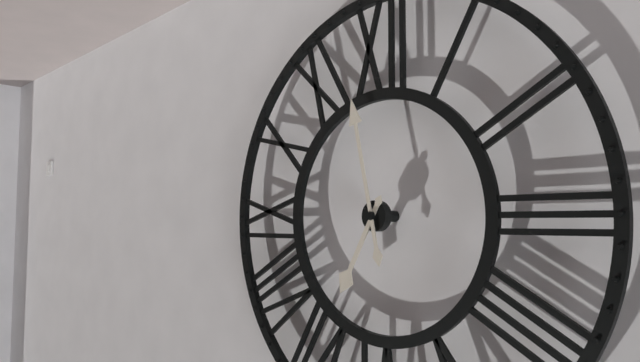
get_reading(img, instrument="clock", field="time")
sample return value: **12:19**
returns **6:58**
